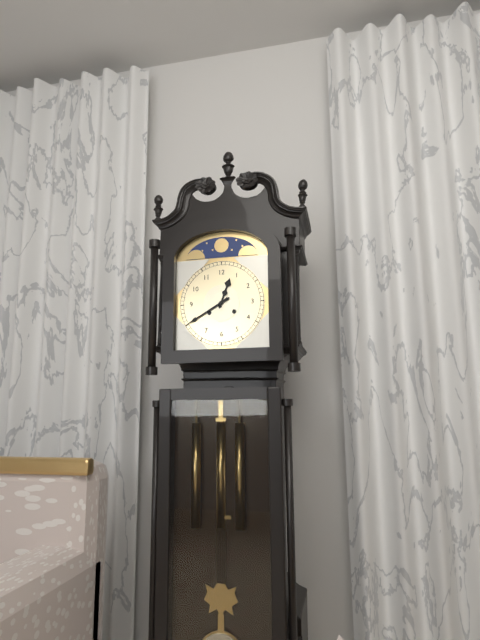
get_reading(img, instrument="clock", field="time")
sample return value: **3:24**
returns **12:40**
